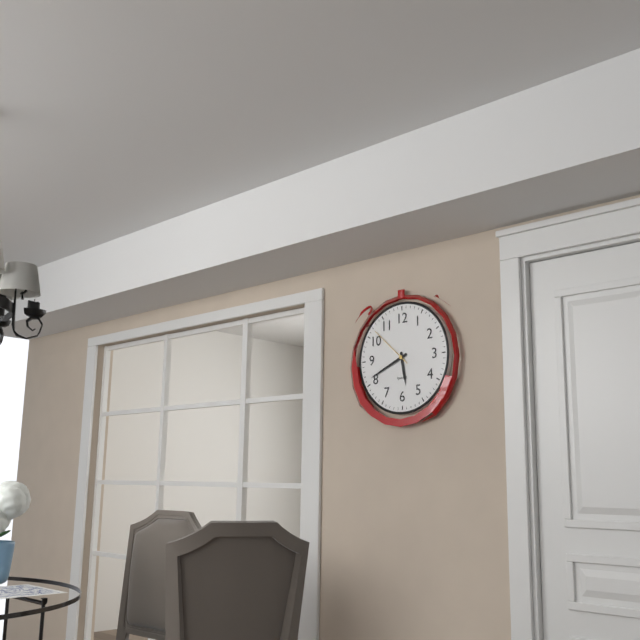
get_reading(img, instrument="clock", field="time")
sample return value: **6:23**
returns **5:41**
